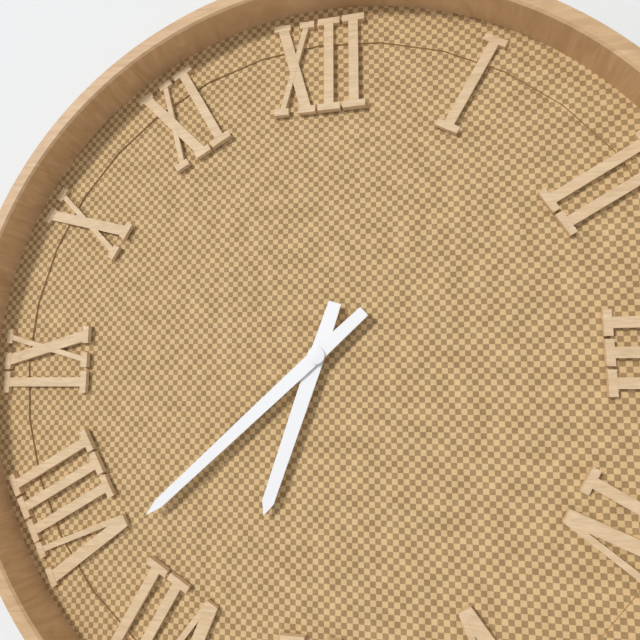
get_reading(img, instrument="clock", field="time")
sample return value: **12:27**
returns **6:38**
